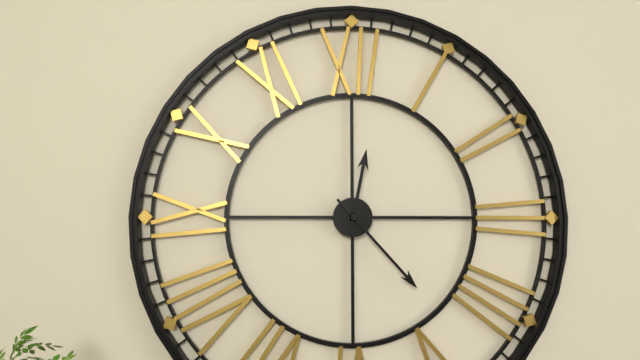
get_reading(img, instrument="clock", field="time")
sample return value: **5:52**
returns **12:23**
